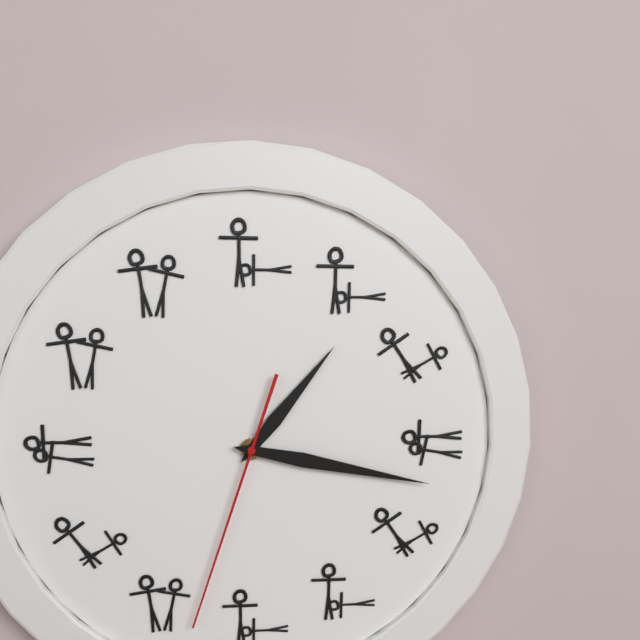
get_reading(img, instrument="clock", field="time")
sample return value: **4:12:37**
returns **1:17:33**
